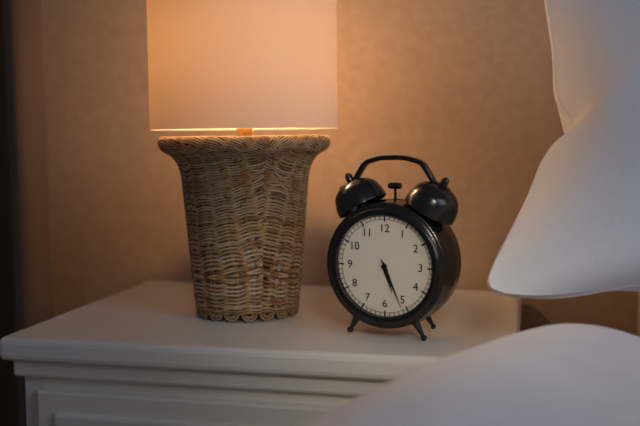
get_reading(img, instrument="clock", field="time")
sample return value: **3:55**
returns **5:26**
